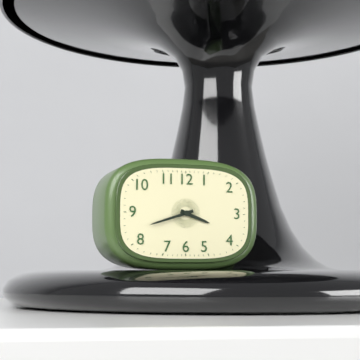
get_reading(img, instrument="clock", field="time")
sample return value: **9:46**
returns **3:42**
